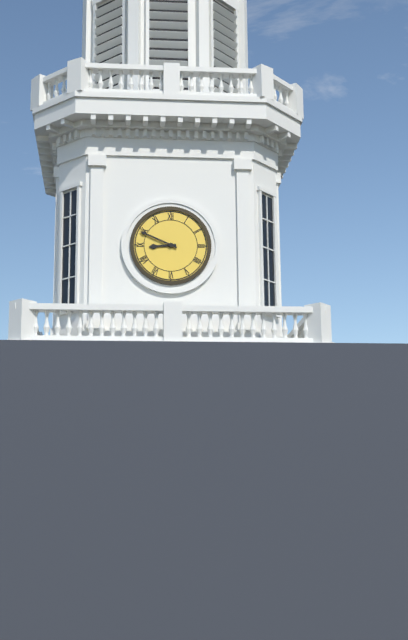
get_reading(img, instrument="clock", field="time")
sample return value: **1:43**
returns **8:49**
